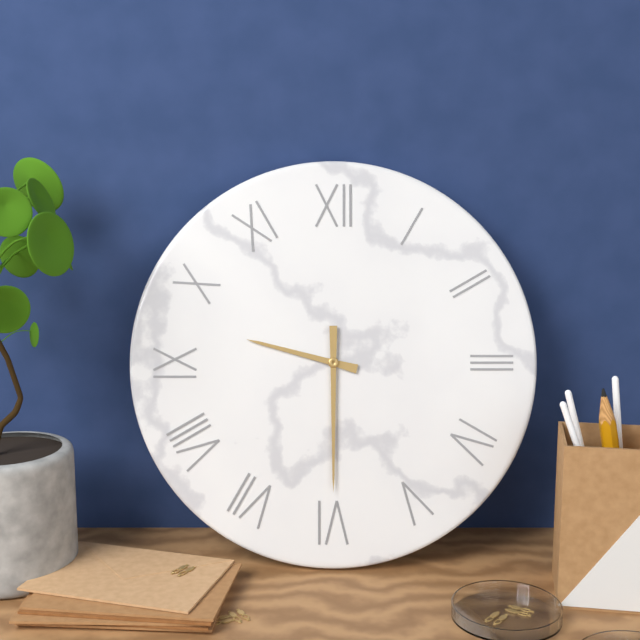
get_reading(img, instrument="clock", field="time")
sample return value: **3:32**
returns **9:30**
